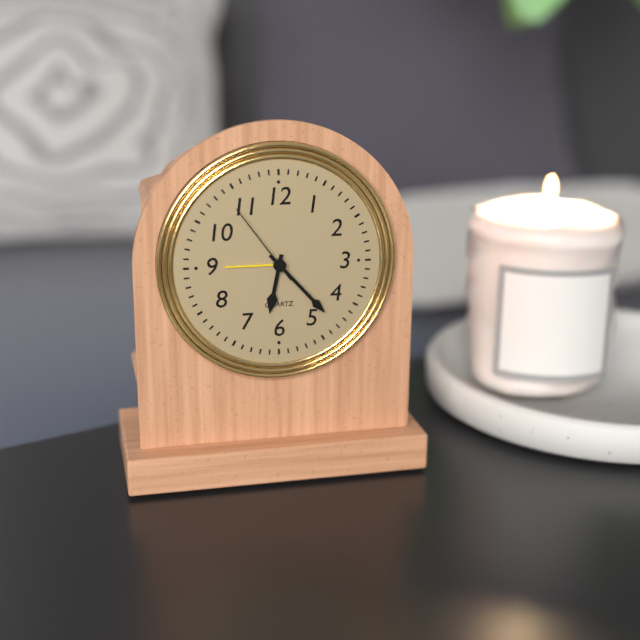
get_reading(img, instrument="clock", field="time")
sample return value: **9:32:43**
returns **6:23:54**
